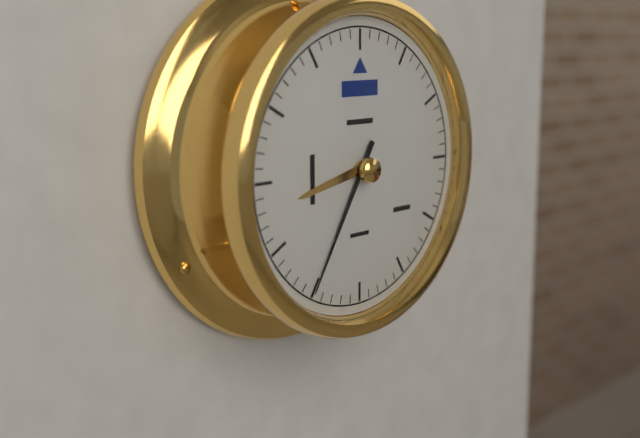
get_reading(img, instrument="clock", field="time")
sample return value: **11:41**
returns **8:35**
